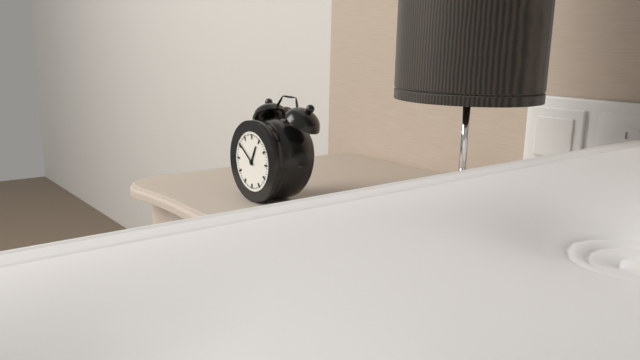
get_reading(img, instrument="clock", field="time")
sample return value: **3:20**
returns **12:51**
